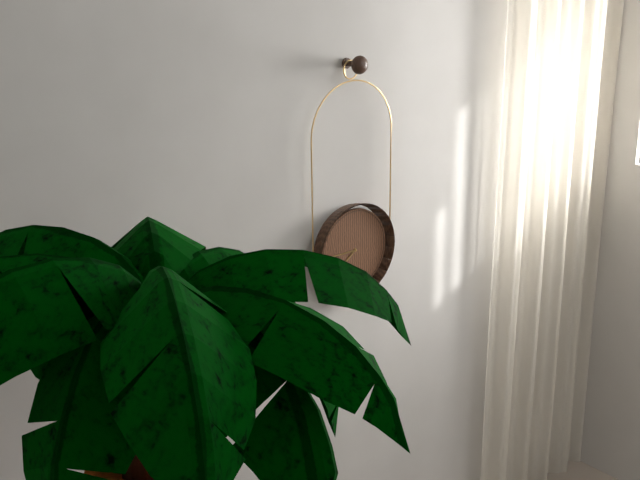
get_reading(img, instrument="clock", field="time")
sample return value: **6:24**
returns **7:45**
